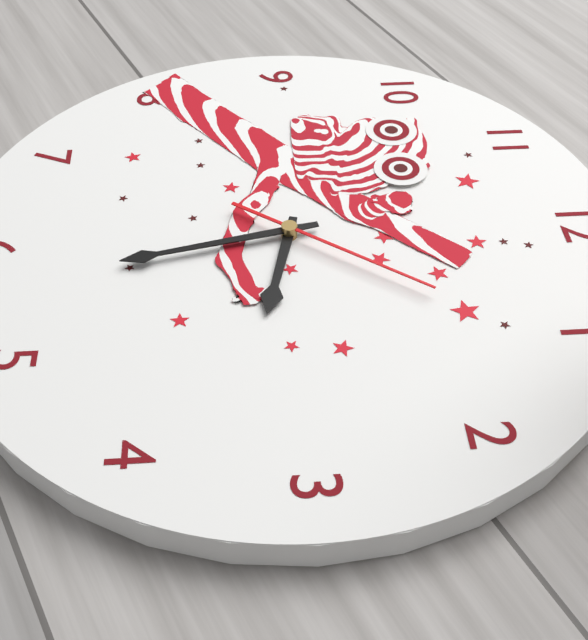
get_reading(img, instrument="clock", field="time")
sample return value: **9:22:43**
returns **3:28:06**
